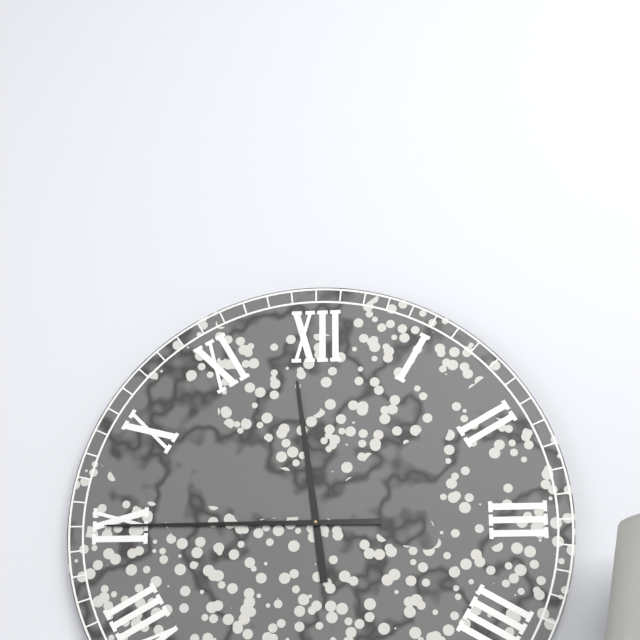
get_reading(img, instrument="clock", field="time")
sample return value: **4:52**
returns **11:45**
